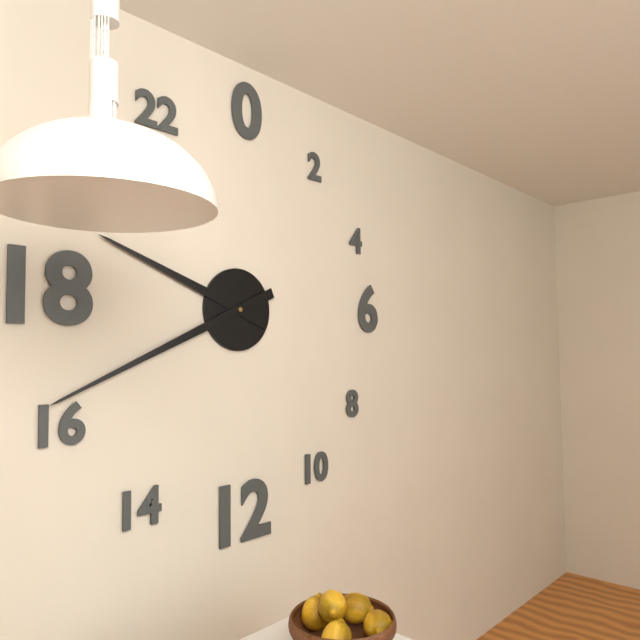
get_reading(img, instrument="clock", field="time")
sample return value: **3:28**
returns **9:41**
